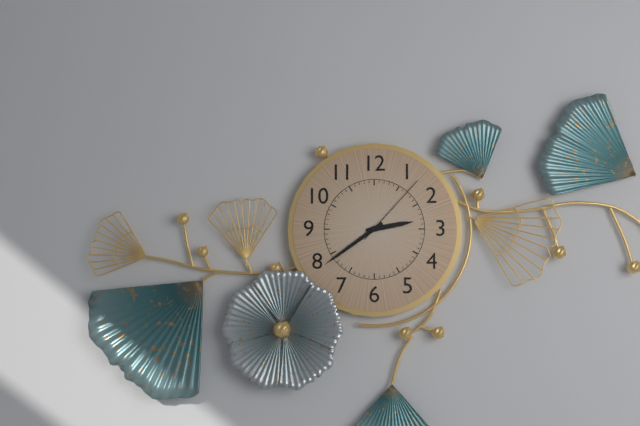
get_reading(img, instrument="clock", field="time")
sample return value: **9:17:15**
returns **2:39:07**
